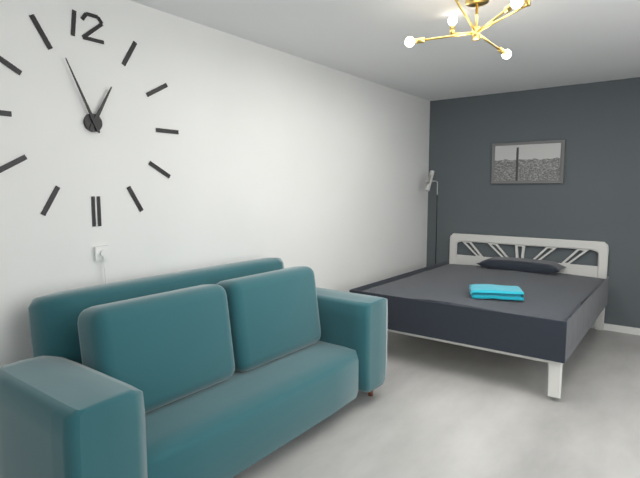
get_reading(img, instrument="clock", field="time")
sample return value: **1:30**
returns **12:56**
